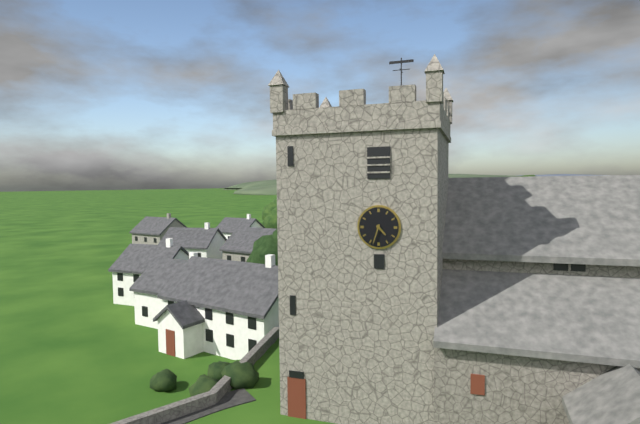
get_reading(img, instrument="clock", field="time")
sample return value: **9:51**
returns **4:33**
